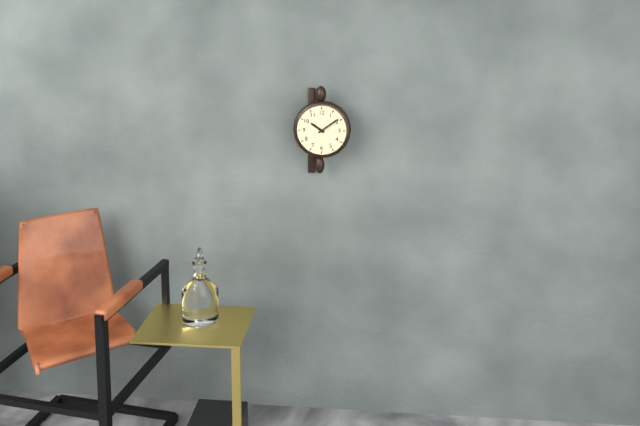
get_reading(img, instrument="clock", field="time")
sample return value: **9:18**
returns **10:09**
